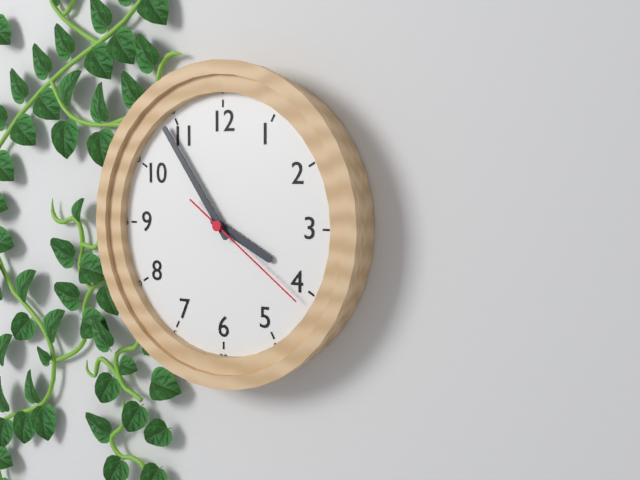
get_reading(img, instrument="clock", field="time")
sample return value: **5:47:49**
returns **3:54:21**
